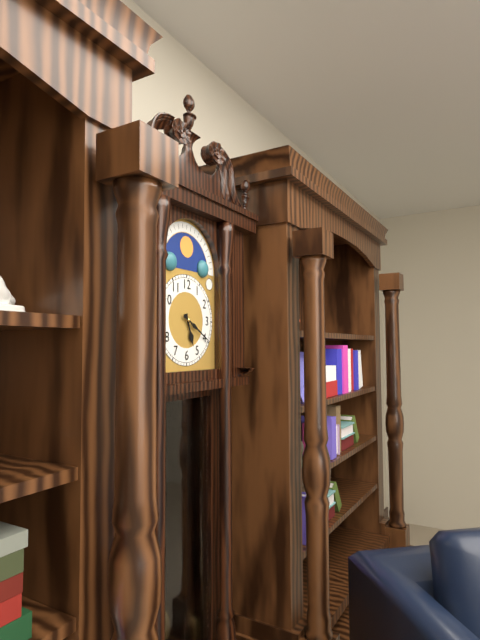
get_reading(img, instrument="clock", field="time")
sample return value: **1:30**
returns **5:20**
